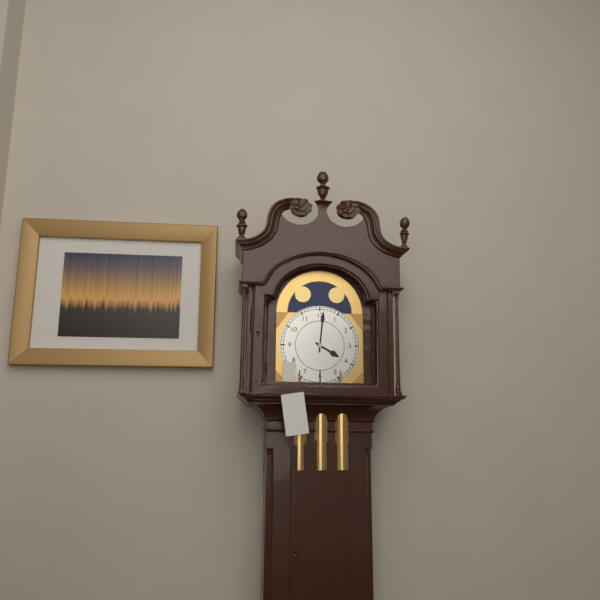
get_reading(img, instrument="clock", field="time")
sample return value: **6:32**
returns **4:01**
